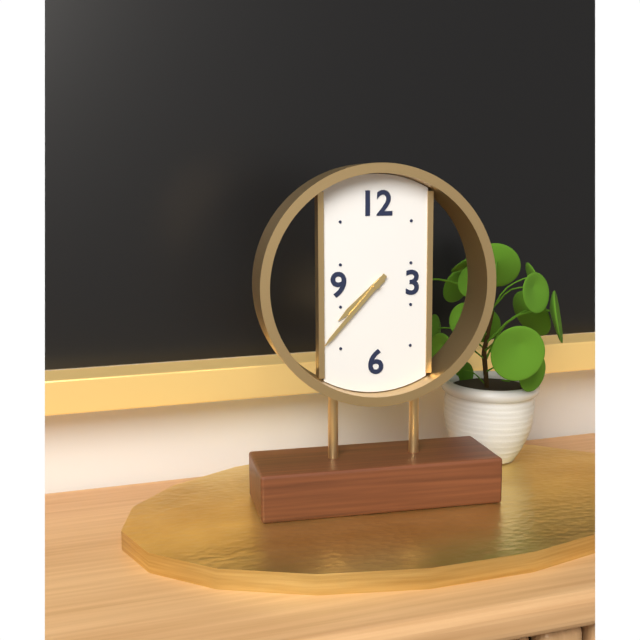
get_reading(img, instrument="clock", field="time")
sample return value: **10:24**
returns **7:37**
